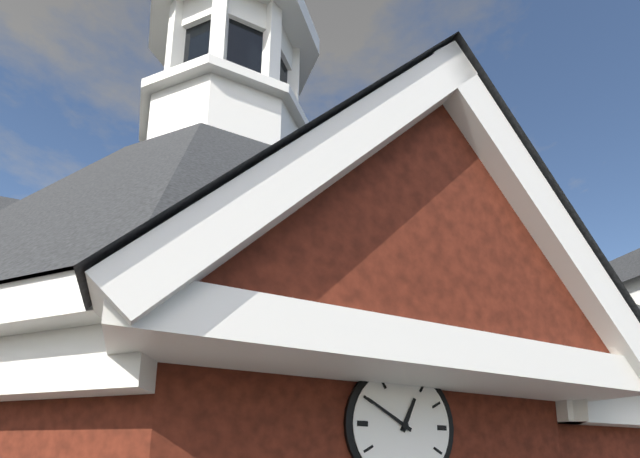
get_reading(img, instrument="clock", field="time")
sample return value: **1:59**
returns **12:50**
